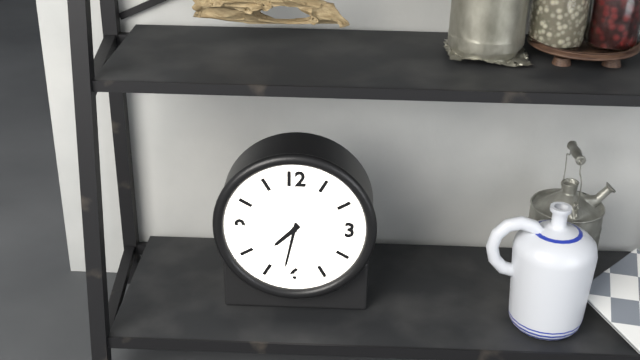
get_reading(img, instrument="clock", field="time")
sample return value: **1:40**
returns **7:32**
